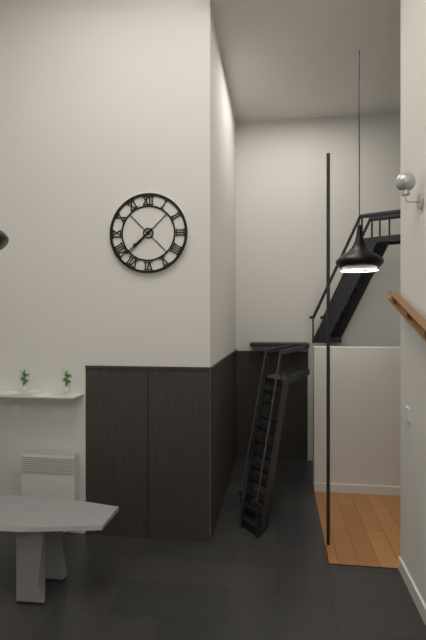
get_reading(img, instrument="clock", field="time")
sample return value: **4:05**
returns **7:38**
